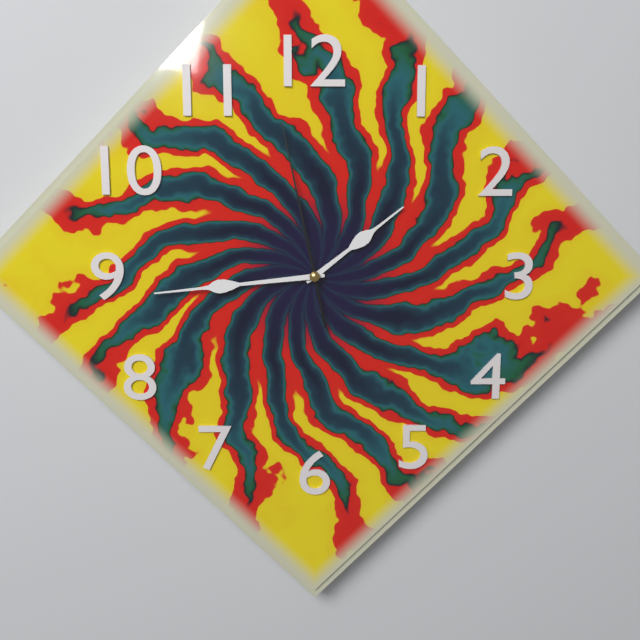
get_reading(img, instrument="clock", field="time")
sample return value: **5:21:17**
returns **1:44:58**
